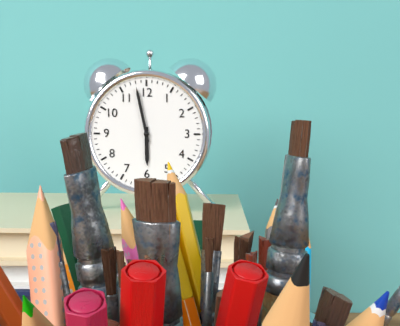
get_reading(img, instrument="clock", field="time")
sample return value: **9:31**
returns **5:58**
